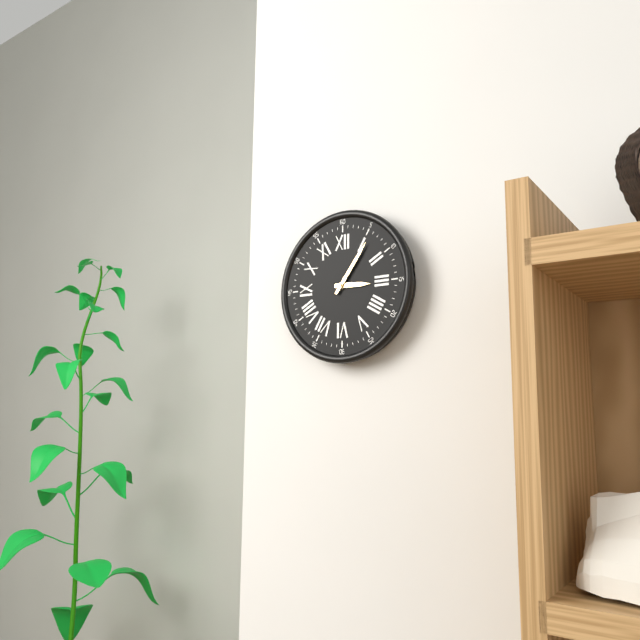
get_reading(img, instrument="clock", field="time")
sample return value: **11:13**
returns **3:06**
